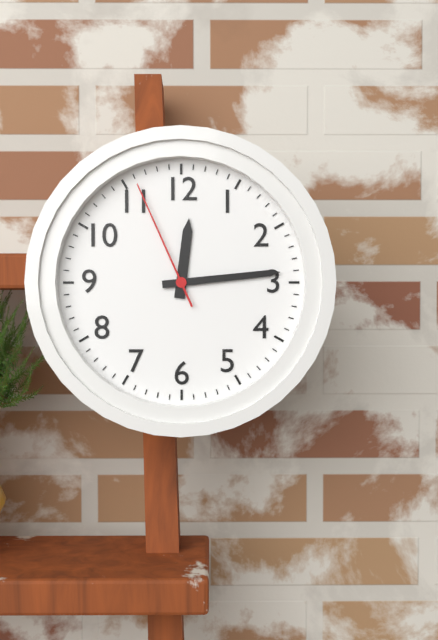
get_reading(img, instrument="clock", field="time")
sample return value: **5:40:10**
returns **12:14:56**
